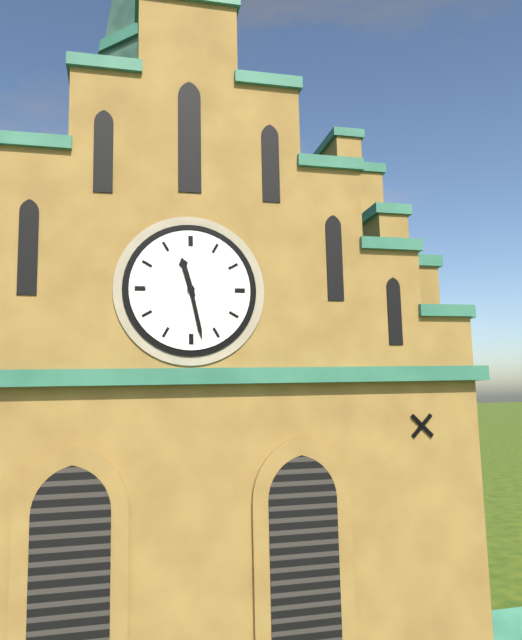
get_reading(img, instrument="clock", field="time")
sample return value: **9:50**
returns **11:28**
